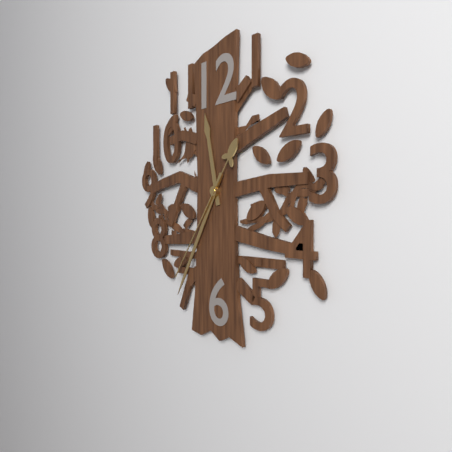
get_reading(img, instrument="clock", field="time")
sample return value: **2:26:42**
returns **11:35:36**
